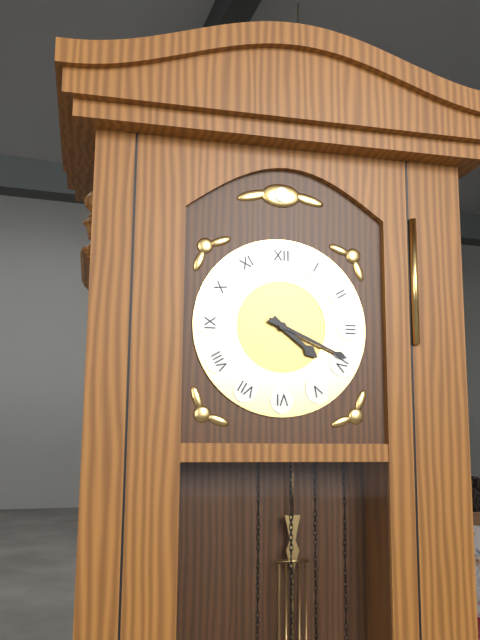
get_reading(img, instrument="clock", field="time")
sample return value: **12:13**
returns **4:19**
